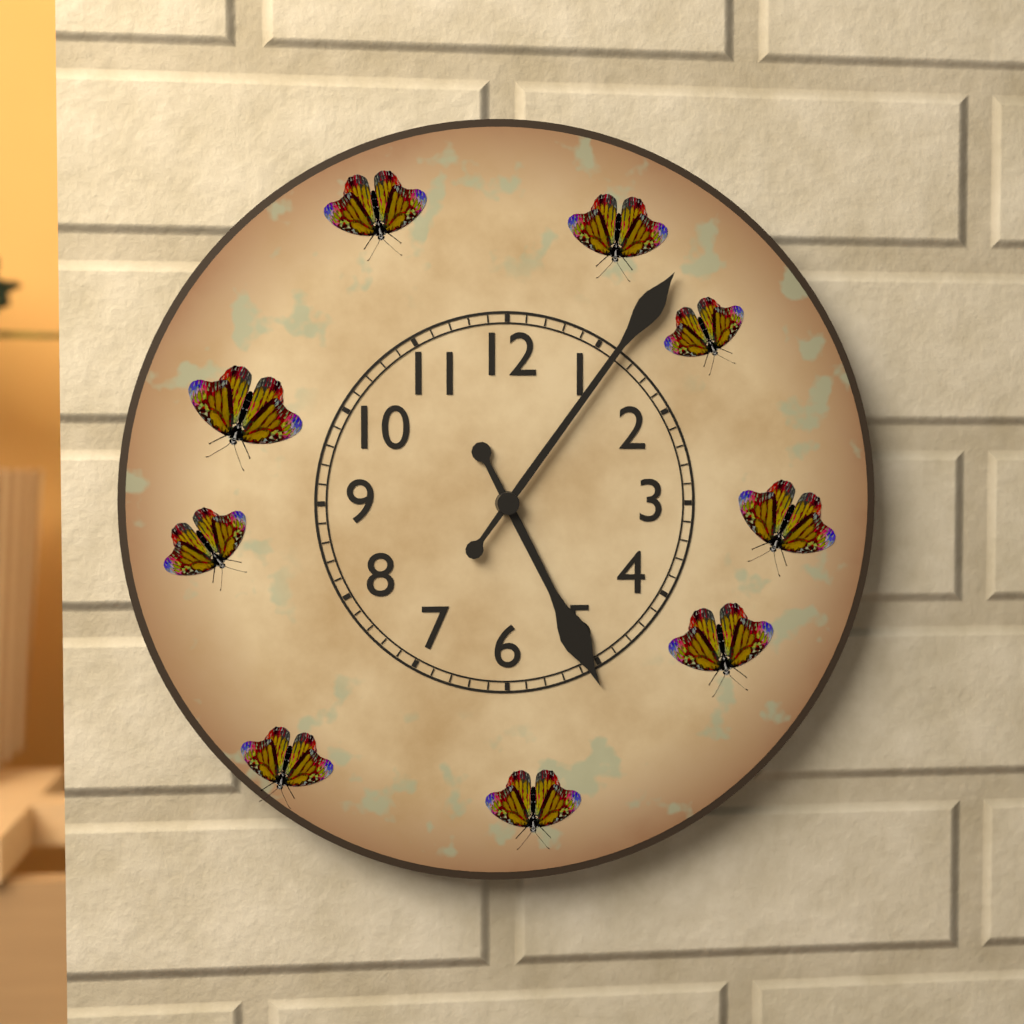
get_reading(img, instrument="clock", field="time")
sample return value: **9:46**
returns **5:06**
